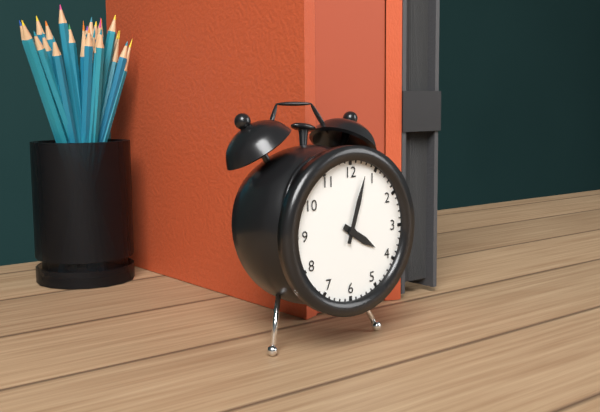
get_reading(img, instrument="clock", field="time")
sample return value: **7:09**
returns **4:03**
